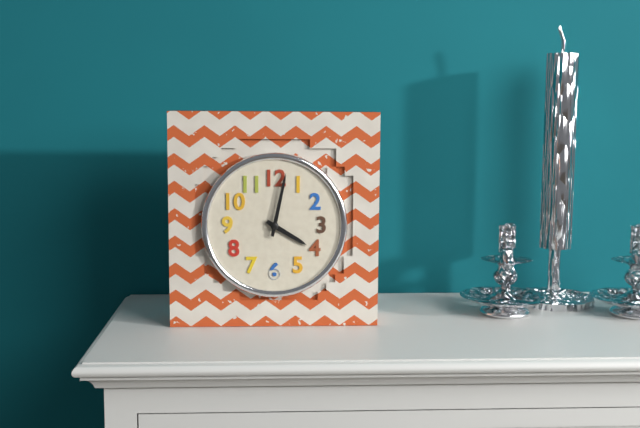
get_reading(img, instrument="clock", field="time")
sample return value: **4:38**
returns **4:02**
